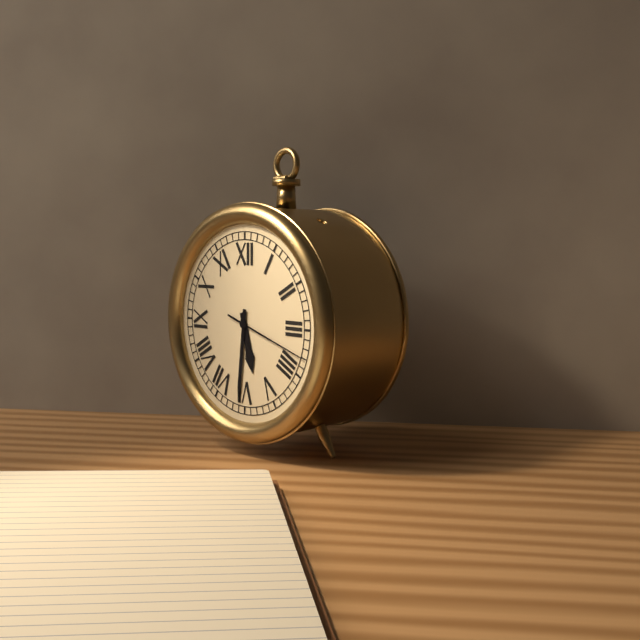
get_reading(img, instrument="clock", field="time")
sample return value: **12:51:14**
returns **5:31:18**
